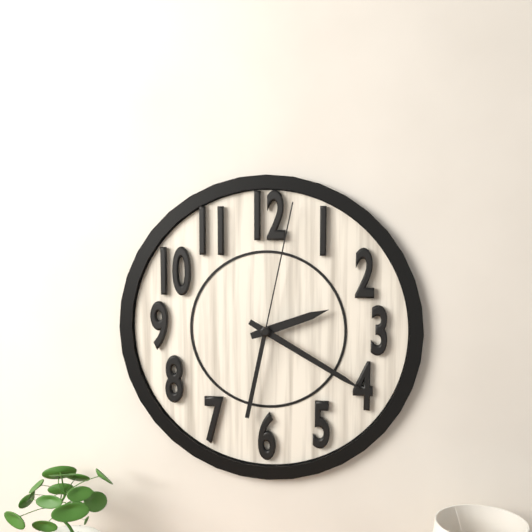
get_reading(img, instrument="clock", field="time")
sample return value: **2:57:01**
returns **2:20:02**
